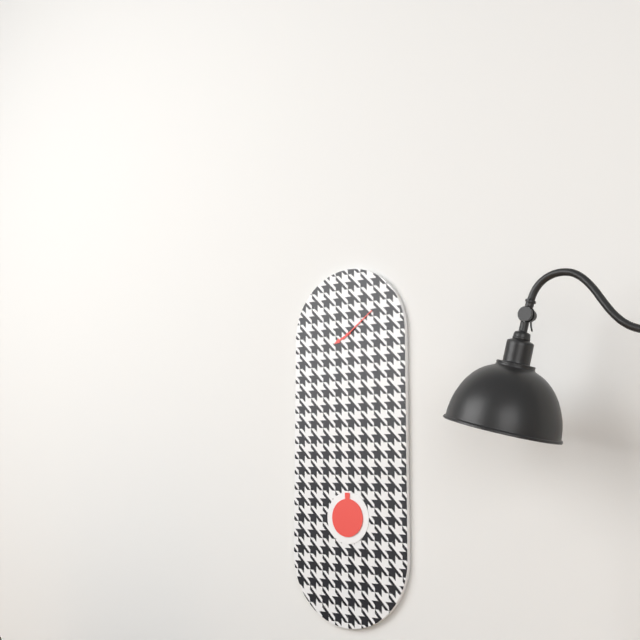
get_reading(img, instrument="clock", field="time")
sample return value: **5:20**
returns **8:09**
